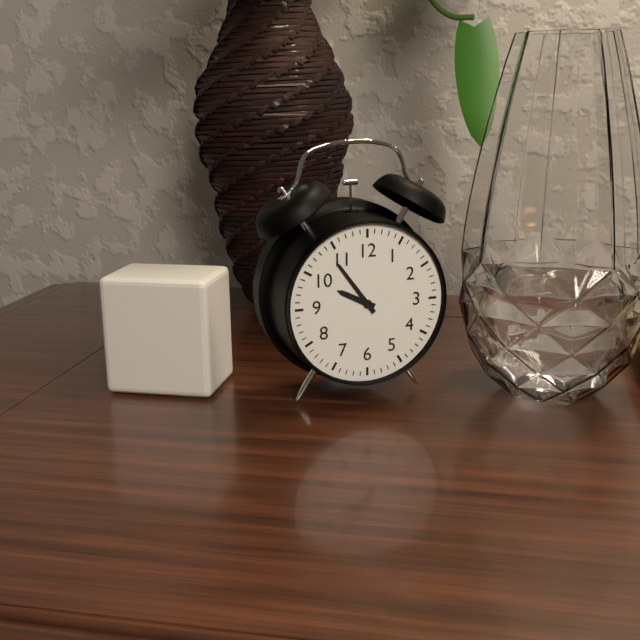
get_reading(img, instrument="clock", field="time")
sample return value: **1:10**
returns **9:54**
